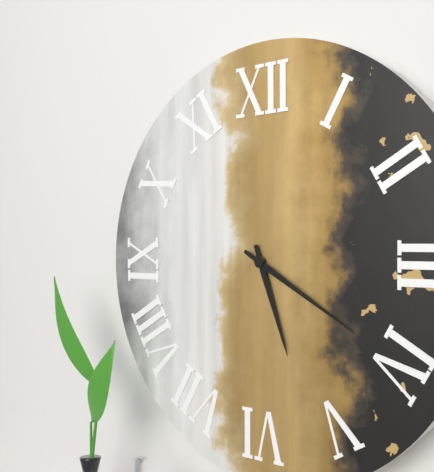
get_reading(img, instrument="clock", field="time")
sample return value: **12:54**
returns **5:20**
